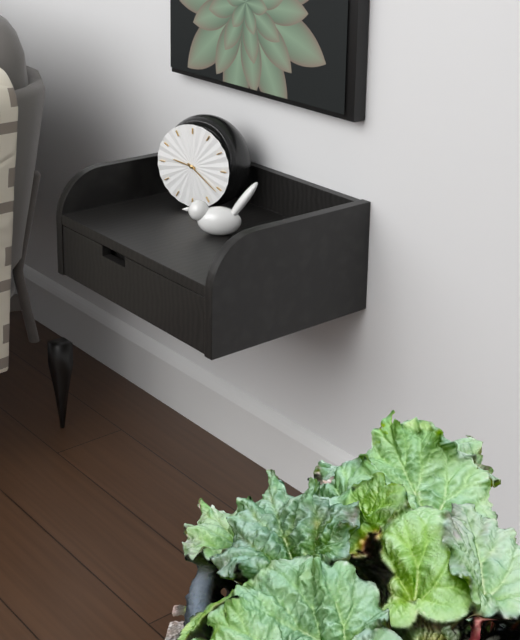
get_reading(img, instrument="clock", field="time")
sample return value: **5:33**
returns **9:21**
